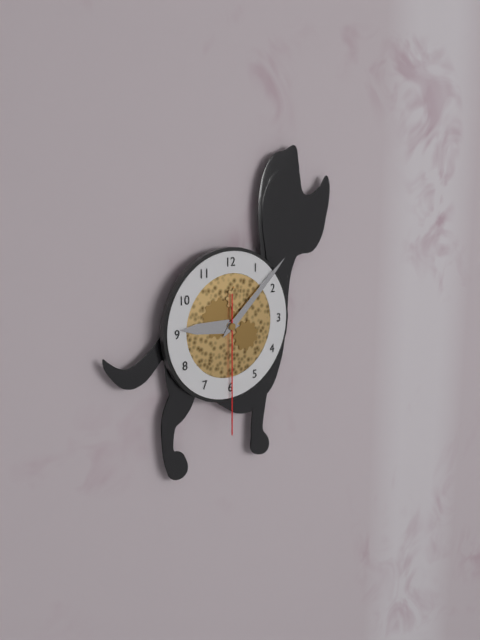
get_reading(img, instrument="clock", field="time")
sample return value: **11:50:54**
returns **9:08:30**
